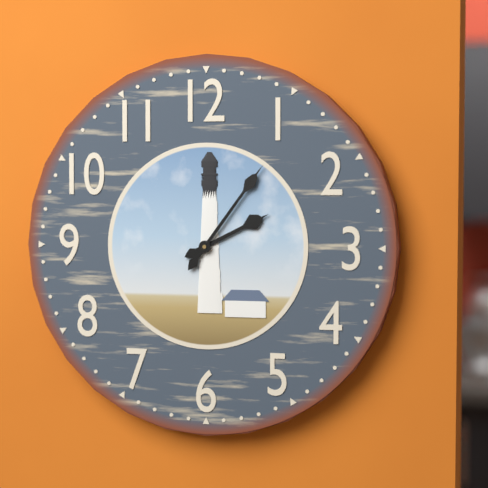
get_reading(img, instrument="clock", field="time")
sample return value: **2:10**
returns **2:06**
